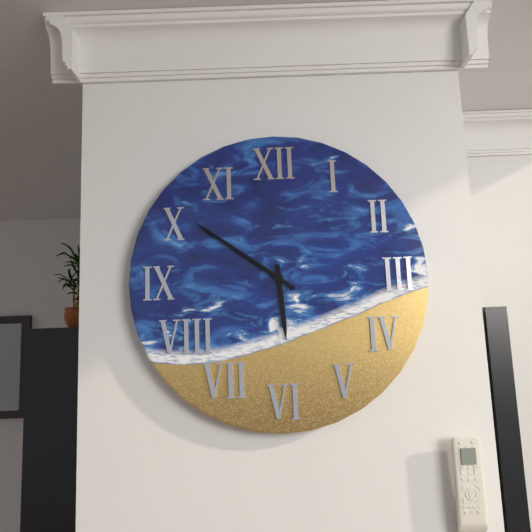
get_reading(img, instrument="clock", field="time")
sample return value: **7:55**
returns **5:51**
